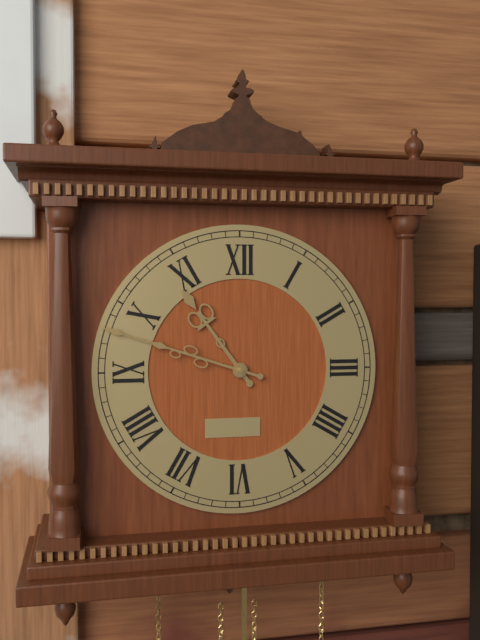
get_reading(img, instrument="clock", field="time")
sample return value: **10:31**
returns **10:48**
